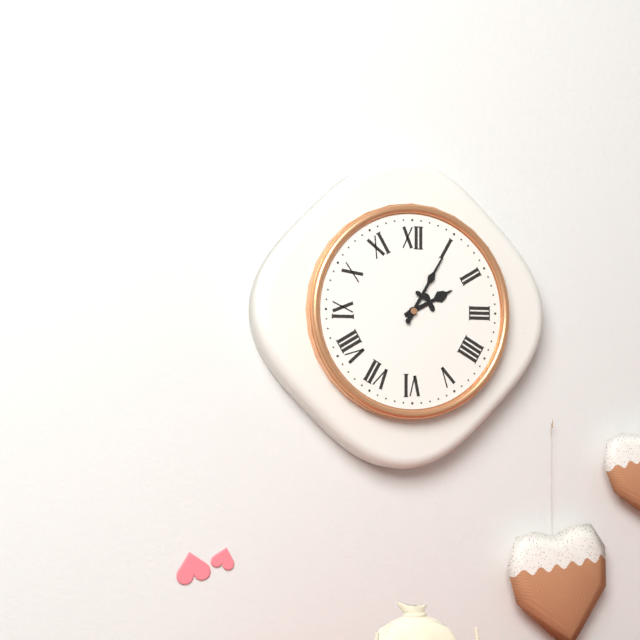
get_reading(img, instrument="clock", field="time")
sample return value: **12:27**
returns **2:05**
